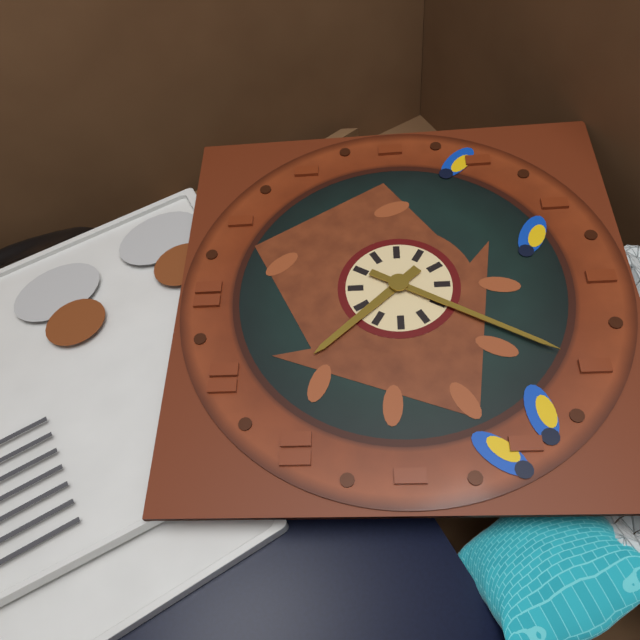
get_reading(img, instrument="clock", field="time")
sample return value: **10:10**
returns **10:35**
